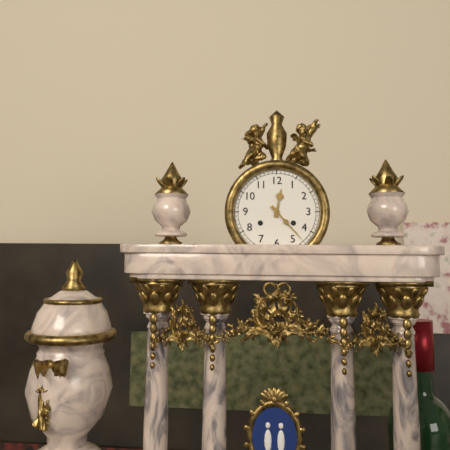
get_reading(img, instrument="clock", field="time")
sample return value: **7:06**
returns **12:23**
